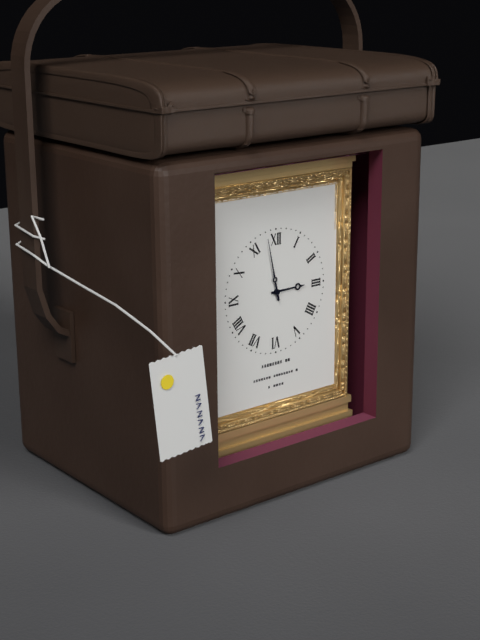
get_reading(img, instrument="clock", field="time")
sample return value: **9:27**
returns **2:58**
